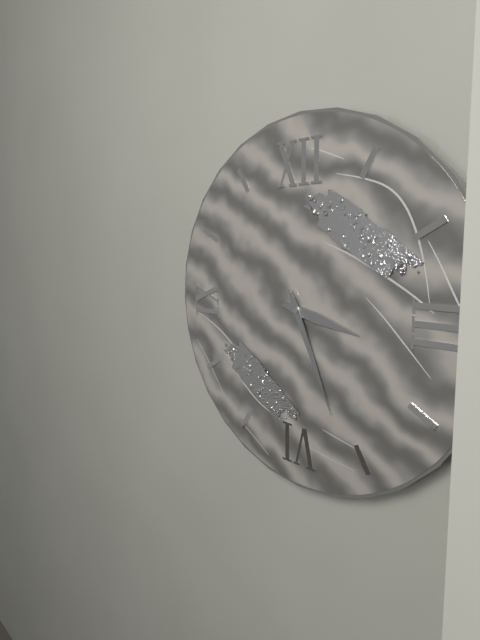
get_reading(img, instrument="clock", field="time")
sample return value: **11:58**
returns **3:26**
